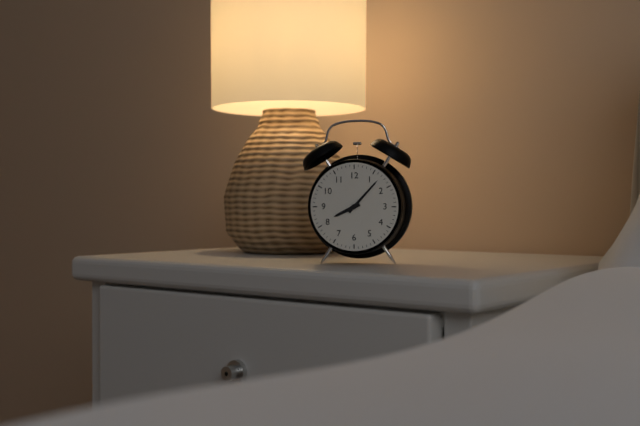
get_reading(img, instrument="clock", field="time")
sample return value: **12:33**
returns **8:07**
